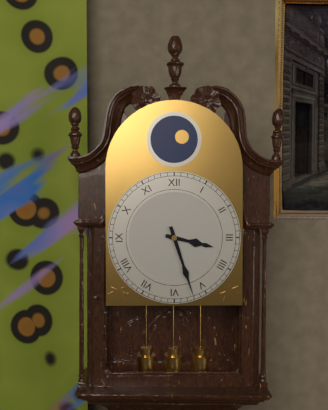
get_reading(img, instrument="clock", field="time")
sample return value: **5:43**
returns **3:27**
